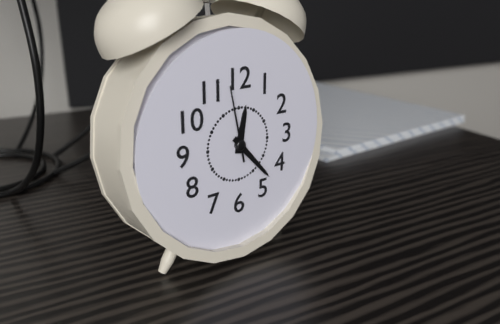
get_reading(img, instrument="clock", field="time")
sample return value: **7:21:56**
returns **12:23:58**
